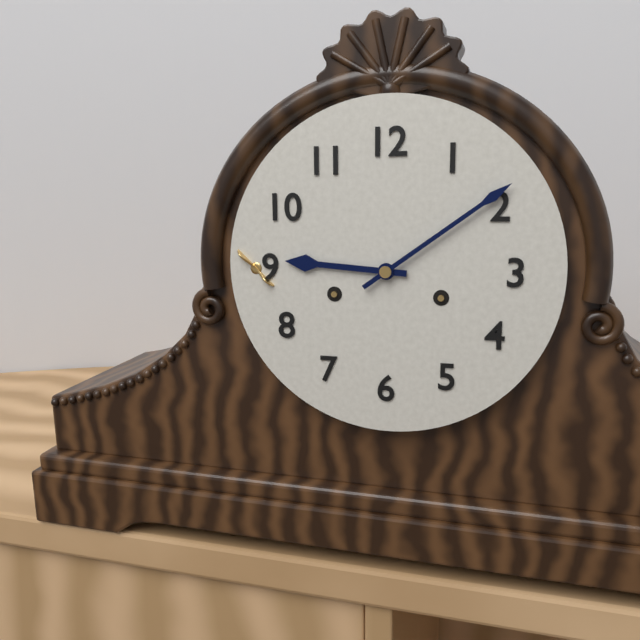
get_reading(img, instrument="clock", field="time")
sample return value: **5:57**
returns **9:09**
